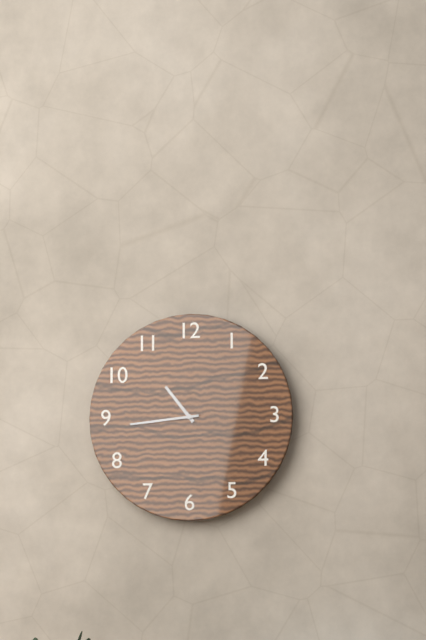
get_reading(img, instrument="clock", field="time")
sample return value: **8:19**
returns **10:44**
